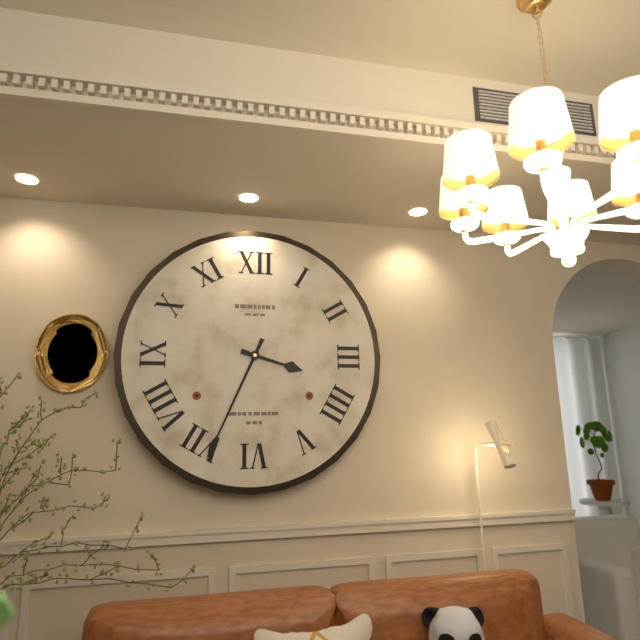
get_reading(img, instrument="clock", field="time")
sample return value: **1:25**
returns **3:34**
